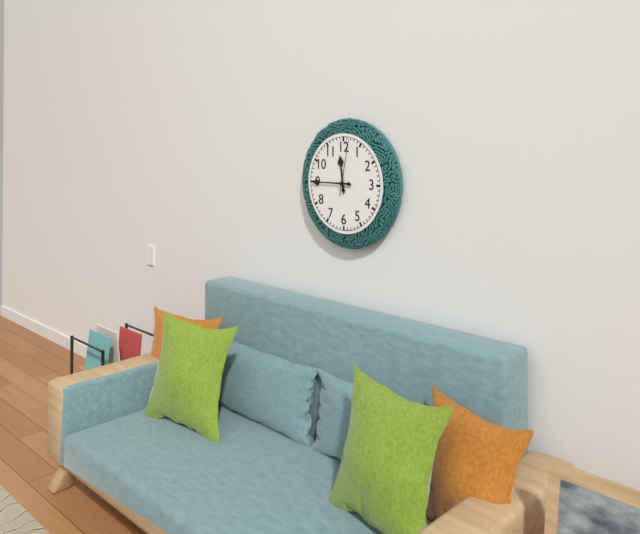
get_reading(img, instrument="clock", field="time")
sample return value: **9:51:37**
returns **11:45:02**
